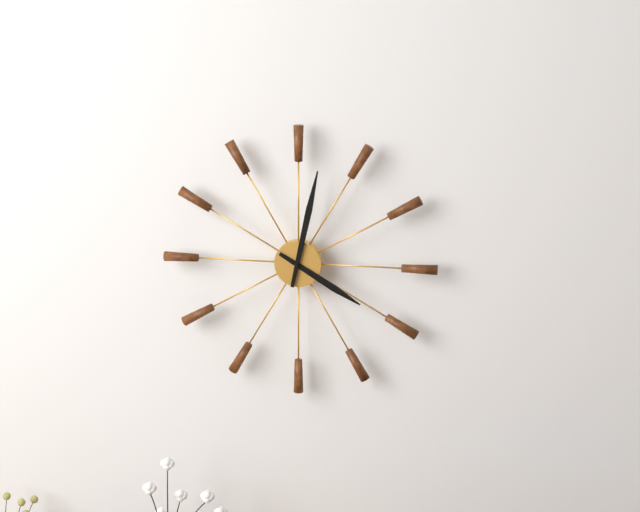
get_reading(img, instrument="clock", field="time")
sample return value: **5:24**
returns **4:02**
